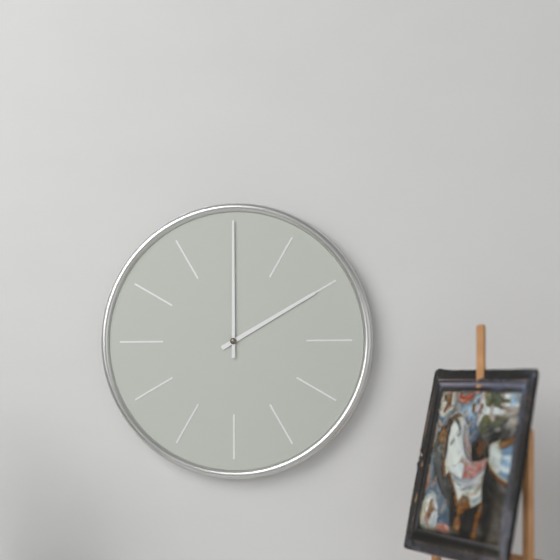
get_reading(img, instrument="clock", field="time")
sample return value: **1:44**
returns **2:00**
